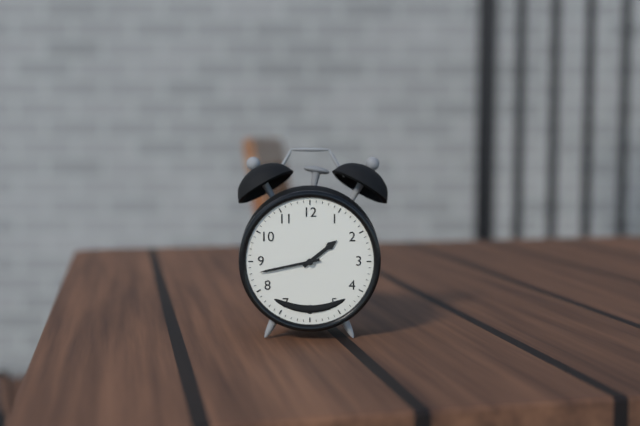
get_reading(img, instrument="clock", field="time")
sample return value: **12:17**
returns **1:43**
